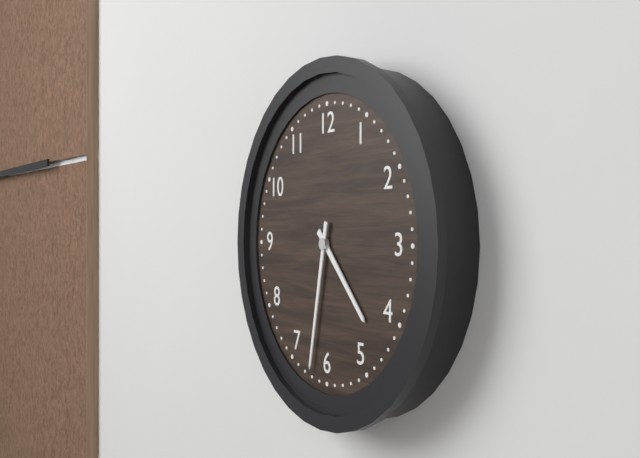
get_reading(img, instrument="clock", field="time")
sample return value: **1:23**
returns **4:32**
